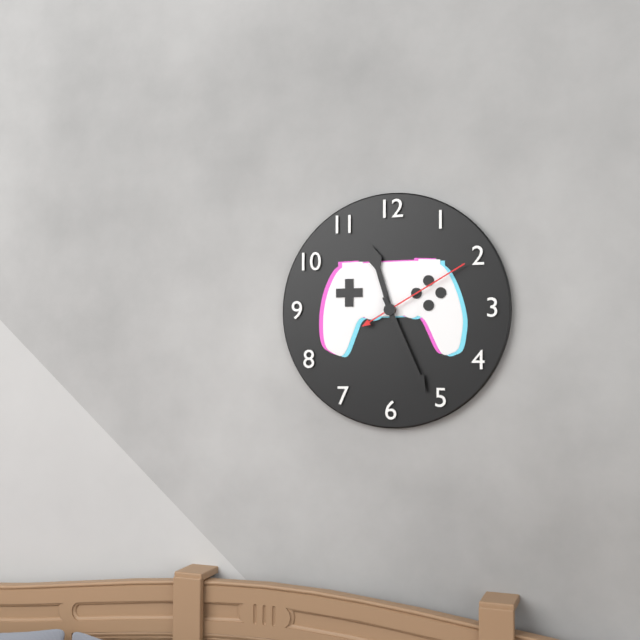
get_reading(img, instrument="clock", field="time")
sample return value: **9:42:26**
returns **11:26:10**
